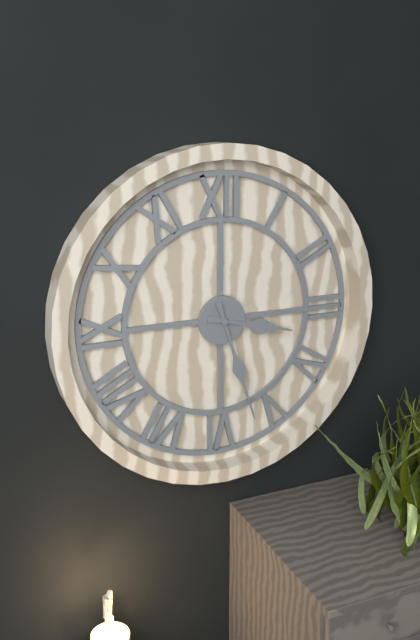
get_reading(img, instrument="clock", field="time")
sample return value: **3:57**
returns **3:27**
